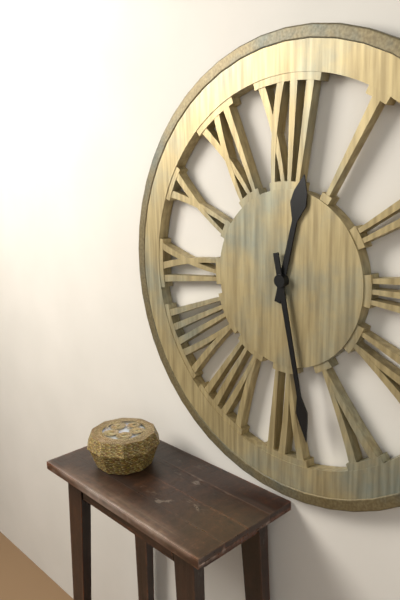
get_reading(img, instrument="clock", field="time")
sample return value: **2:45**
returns **12:28**
